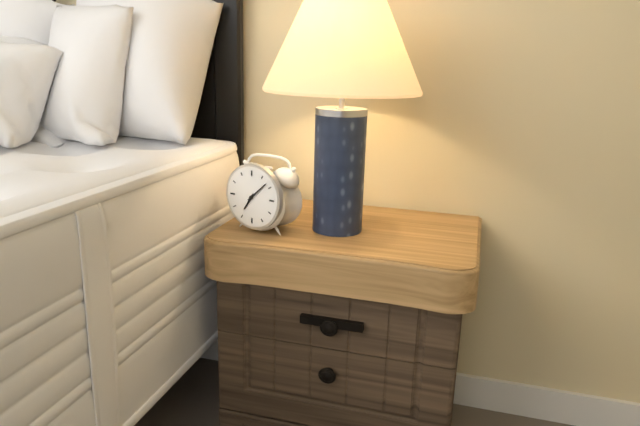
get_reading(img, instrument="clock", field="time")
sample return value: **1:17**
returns **7:08**
